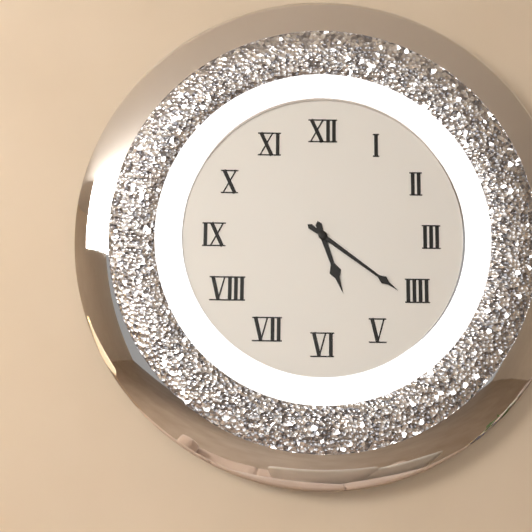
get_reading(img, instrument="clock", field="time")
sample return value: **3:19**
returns **5:21**
